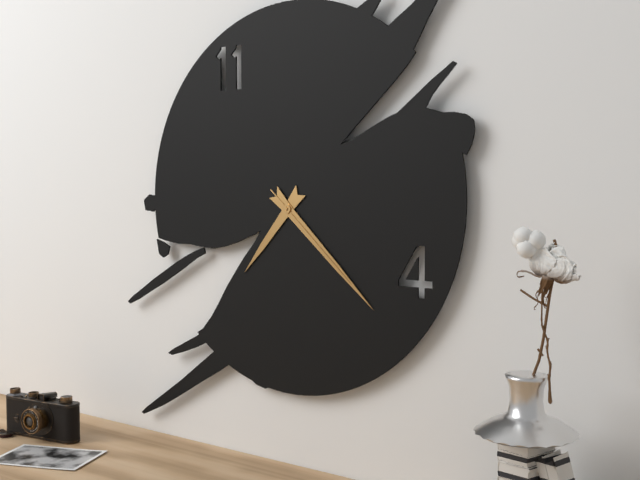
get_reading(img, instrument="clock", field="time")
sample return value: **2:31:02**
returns **7:22:22**
